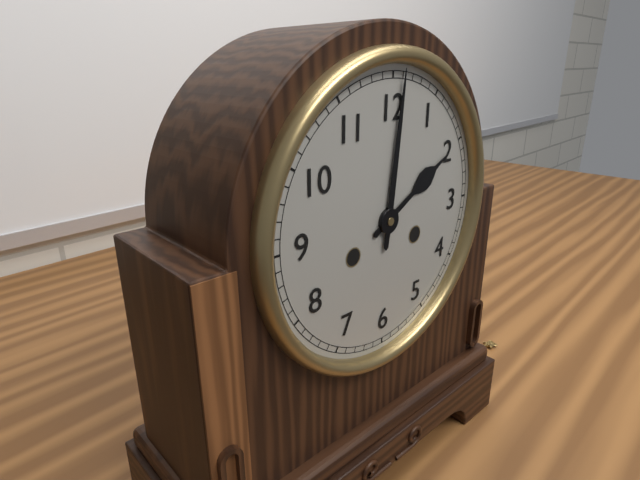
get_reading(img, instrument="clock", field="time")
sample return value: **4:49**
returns **2:01**
